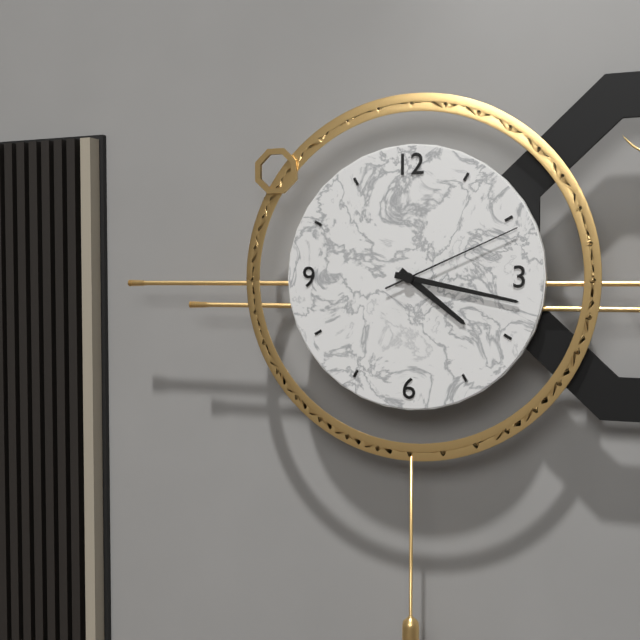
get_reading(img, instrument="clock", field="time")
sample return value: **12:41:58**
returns **4:17:11**
